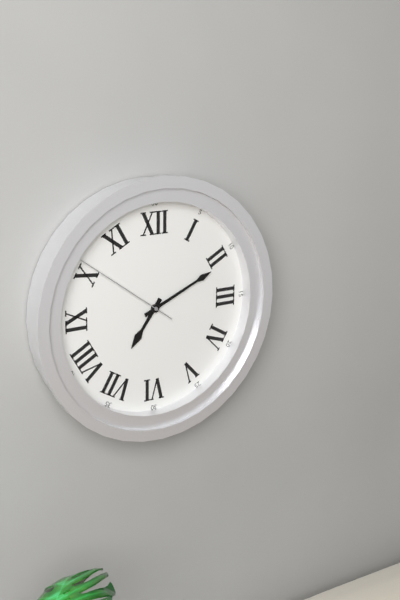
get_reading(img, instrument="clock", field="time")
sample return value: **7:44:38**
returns **7:11:51**
